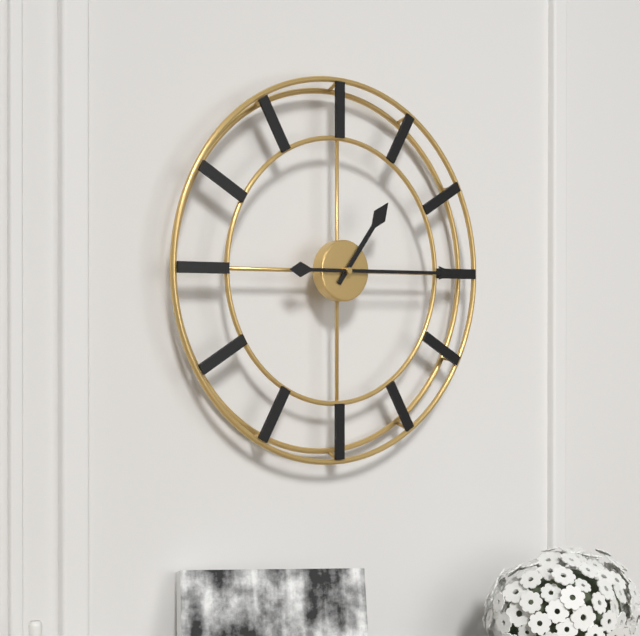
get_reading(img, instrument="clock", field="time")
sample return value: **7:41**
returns **1:15**
